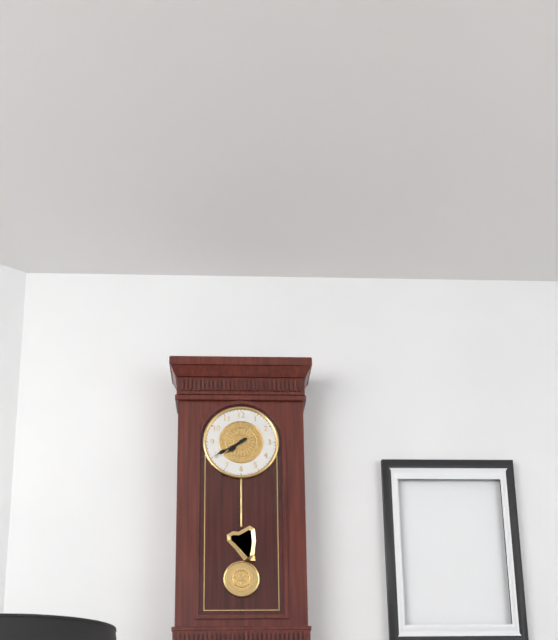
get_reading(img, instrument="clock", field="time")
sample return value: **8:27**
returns **7:40**
